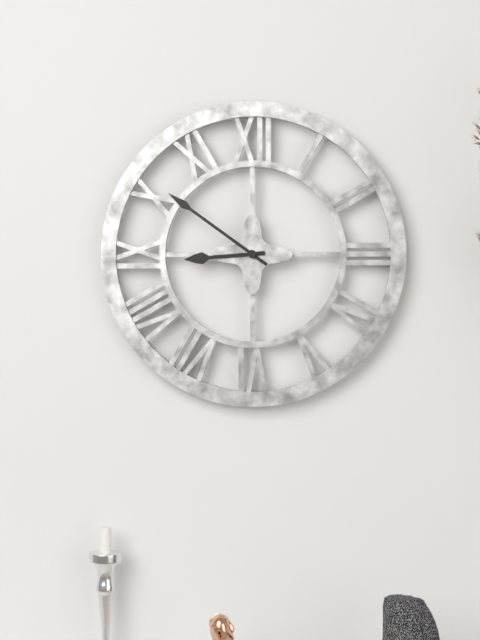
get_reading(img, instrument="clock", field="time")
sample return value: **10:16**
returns **8:51**
